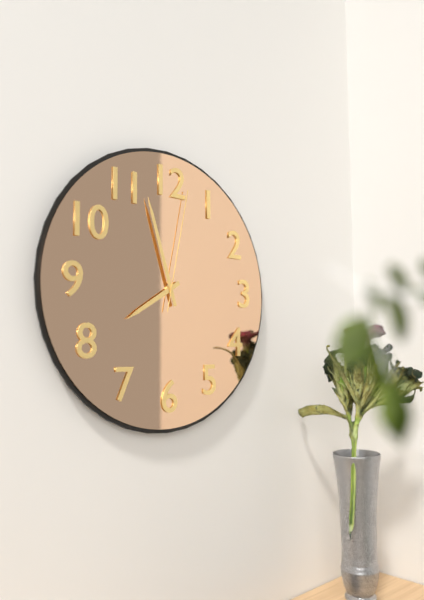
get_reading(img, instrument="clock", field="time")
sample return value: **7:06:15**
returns **7:57:02**
